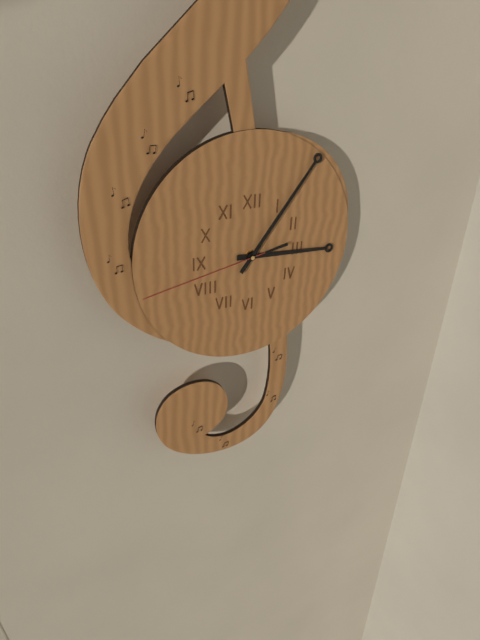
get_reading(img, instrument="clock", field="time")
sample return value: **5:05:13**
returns **3:06:43**
